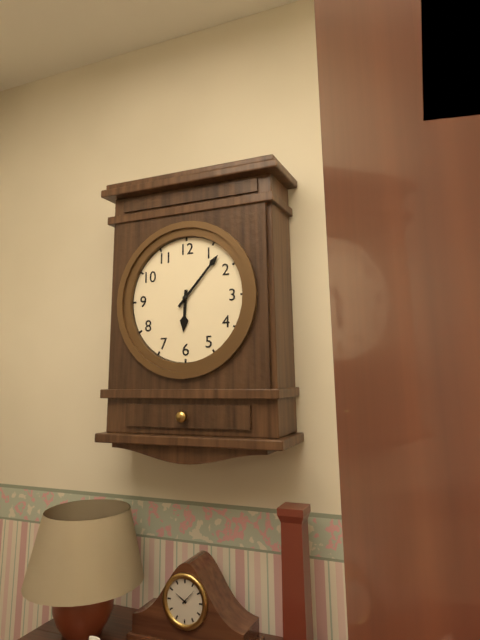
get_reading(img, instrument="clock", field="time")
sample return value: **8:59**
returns **6:07**
